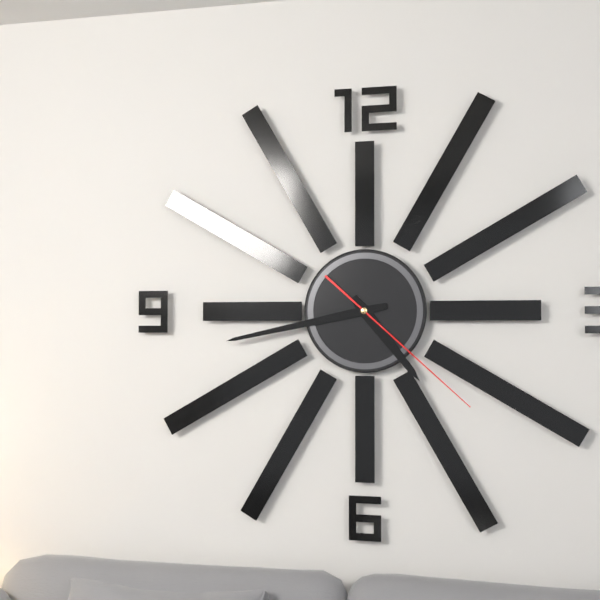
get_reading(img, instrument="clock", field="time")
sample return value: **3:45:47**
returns **4:43:22**
